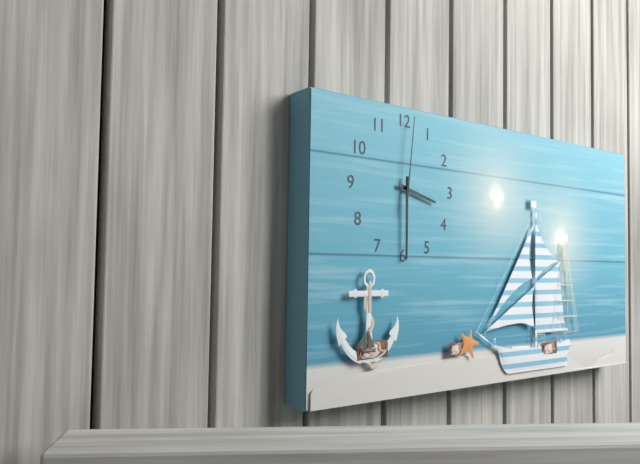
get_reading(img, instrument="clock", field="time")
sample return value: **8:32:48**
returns **3:30:01**
